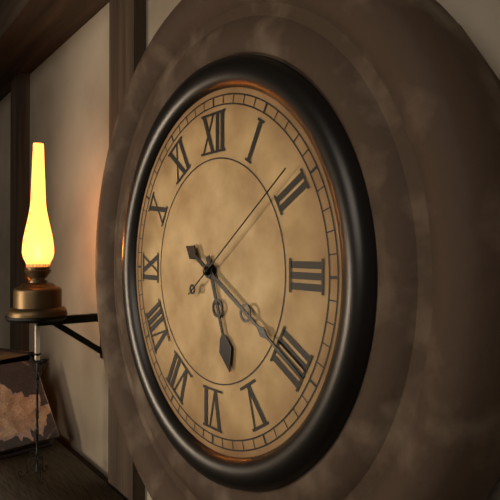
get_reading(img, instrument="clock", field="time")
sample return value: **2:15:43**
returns **5:20:09**
